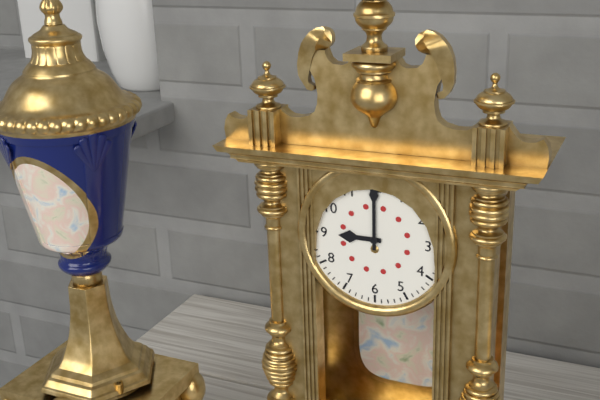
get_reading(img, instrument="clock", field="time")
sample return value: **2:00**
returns **9:00**
